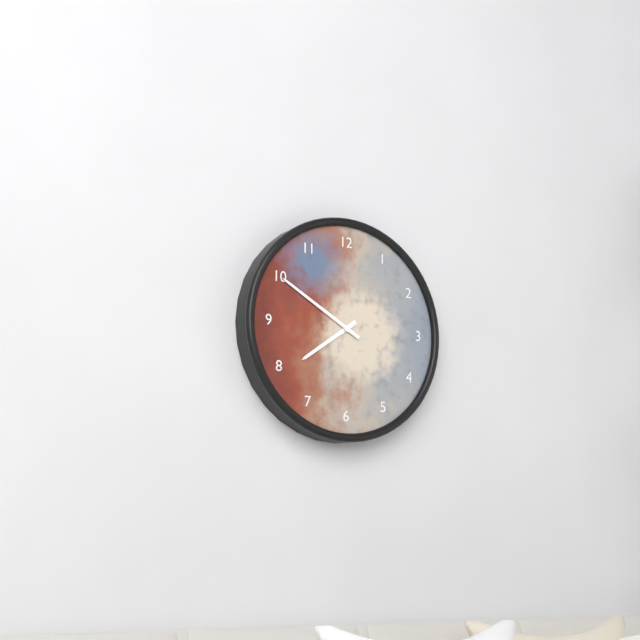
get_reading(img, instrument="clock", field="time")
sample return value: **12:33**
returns **7:50**
